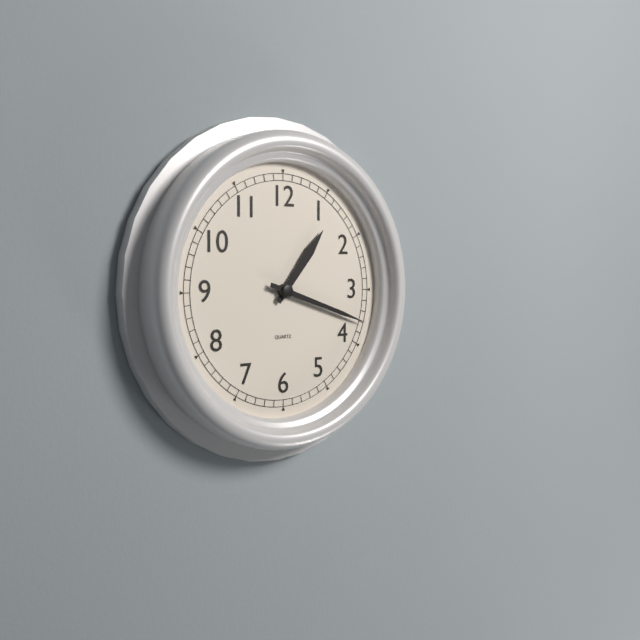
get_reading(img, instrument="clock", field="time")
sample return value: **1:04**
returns **1:18**
